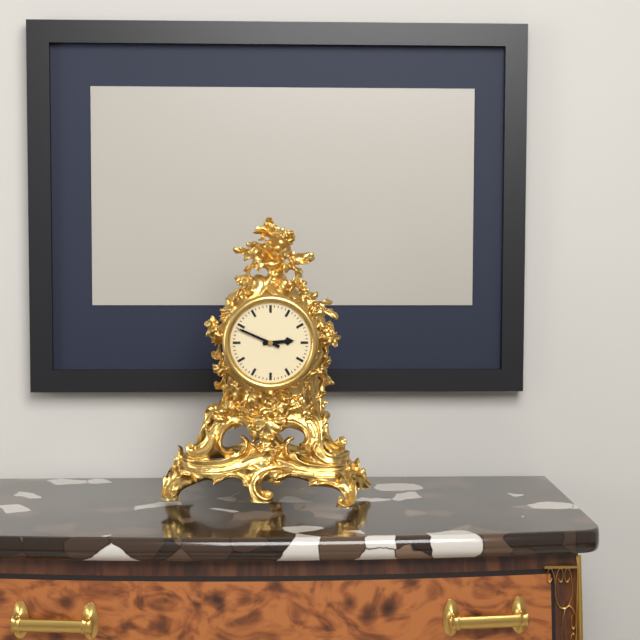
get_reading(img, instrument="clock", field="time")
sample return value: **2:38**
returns **2:49**
